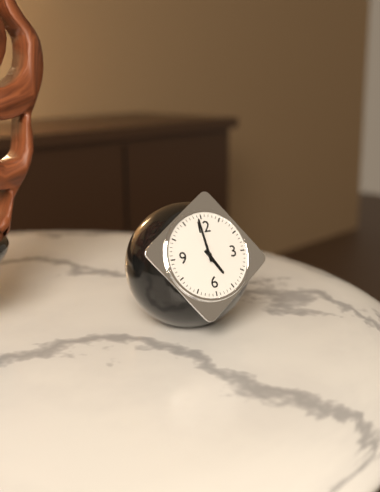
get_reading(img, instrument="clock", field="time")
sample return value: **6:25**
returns **4:59**
